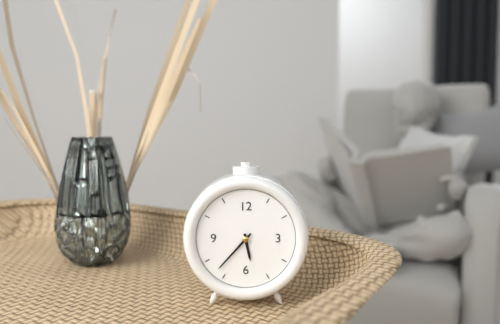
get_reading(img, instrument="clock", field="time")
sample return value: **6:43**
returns **5:37**
